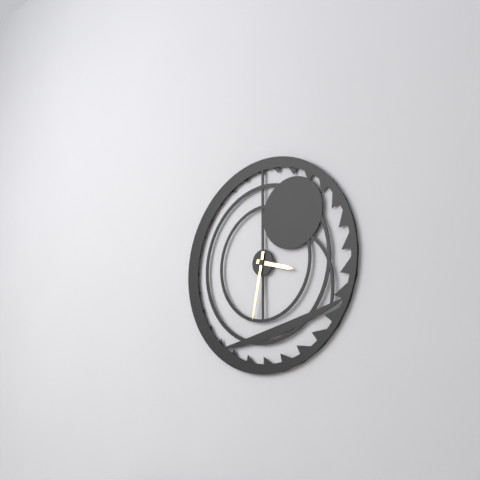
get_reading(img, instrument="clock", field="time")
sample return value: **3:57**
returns **3:32**
